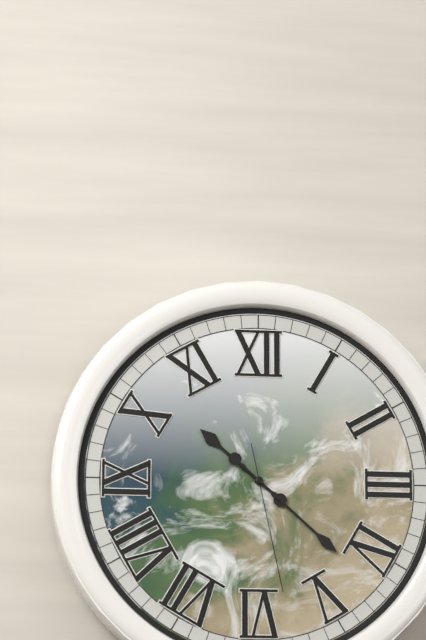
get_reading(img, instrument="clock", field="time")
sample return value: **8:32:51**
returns **10:22:28**
